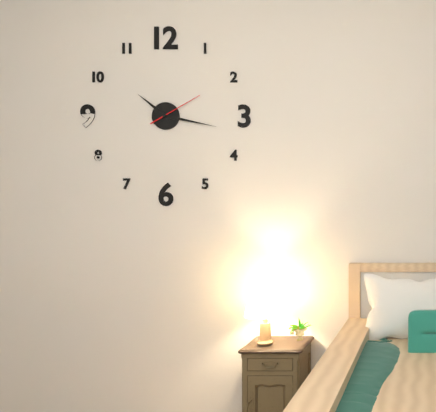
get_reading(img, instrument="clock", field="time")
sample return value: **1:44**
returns **10:17**
